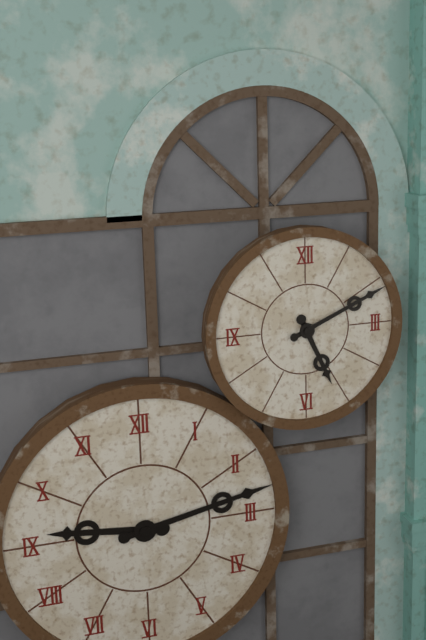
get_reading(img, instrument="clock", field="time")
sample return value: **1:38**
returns **5:11**
